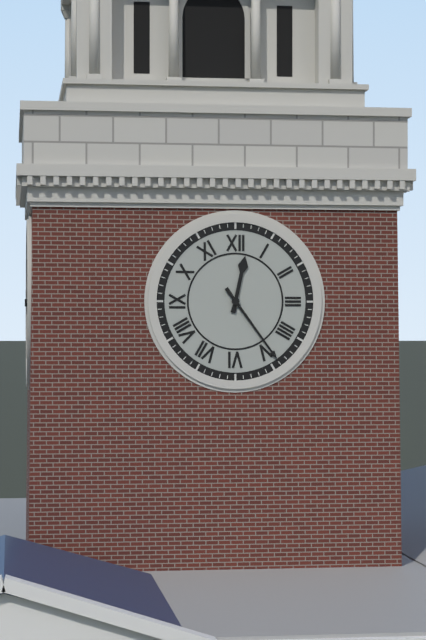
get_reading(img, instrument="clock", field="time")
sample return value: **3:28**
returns **12:24**
